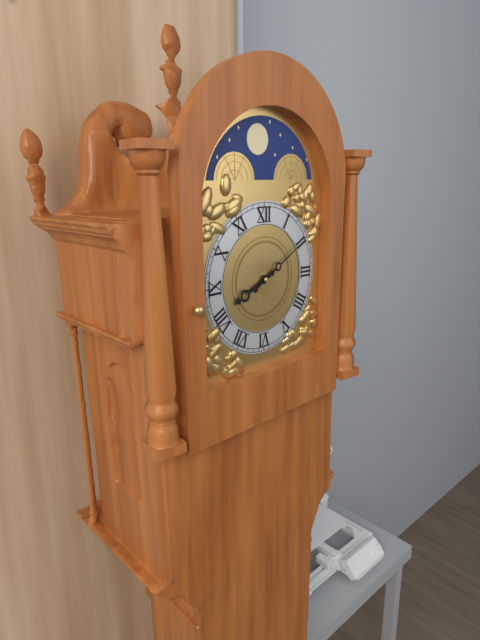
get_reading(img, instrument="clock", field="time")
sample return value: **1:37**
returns **8:10**
